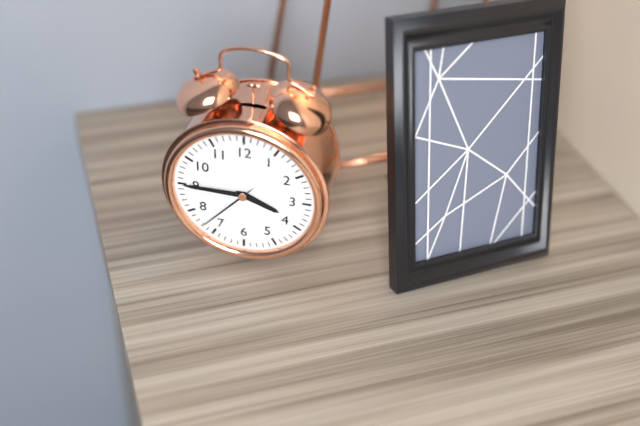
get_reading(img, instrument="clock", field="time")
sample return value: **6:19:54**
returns **3:45:37**
